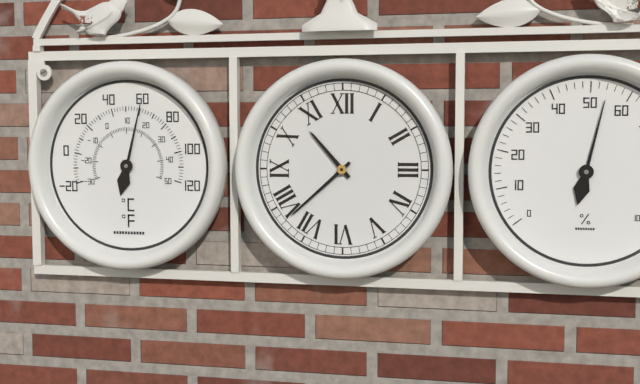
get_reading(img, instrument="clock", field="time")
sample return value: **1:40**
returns **10:38**
